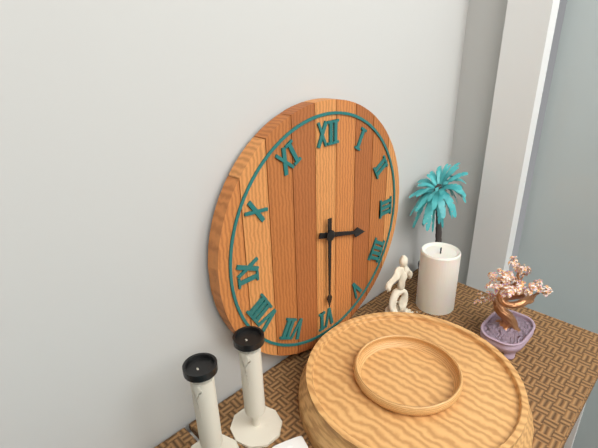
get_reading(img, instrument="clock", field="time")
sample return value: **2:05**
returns **3:30**
